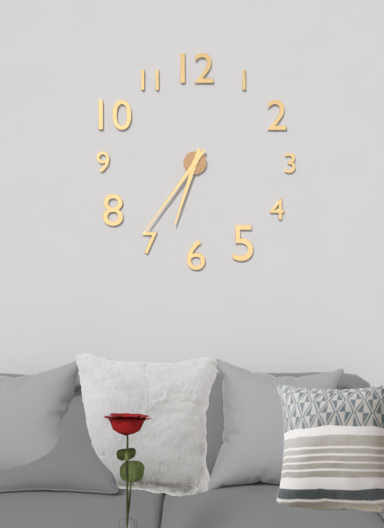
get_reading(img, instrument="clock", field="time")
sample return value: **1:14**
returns **6:36**
